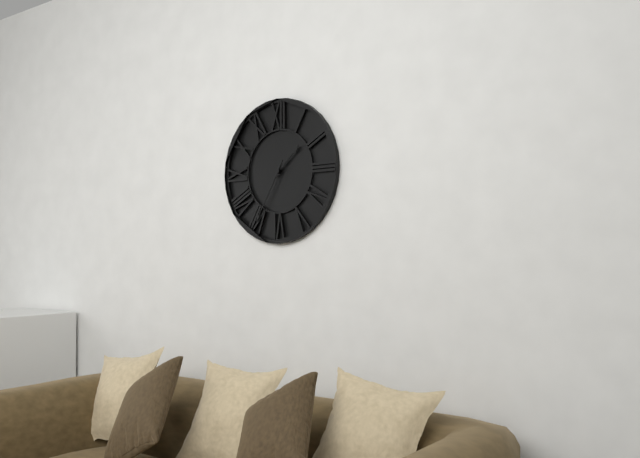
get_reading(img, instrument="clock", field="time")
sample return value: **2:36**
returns **1:35**
